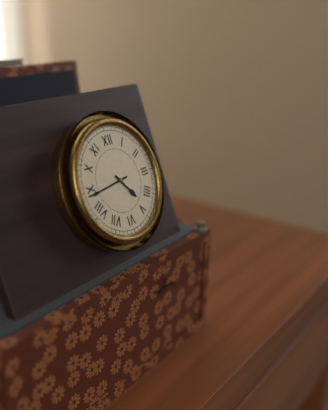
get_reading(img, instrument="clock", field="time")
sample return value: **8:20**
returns **4:44**
